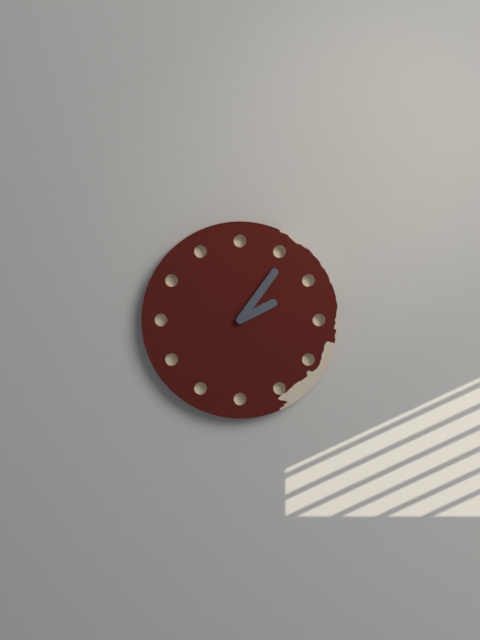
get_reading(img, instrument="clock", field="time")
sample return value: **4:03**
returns **2:06**
